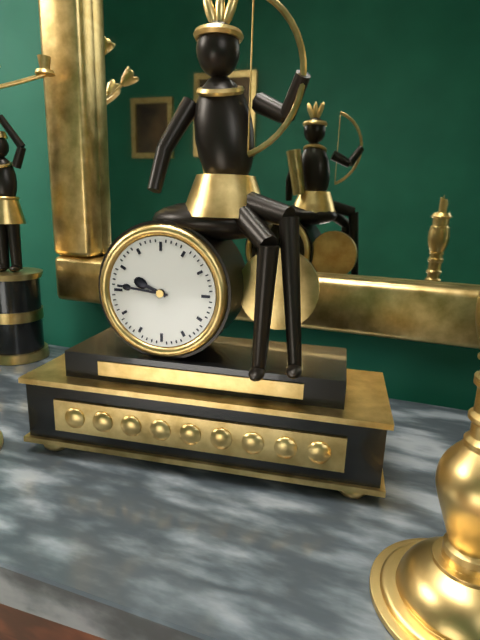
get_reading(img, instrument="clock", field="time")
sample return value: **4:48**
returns **9:46**
